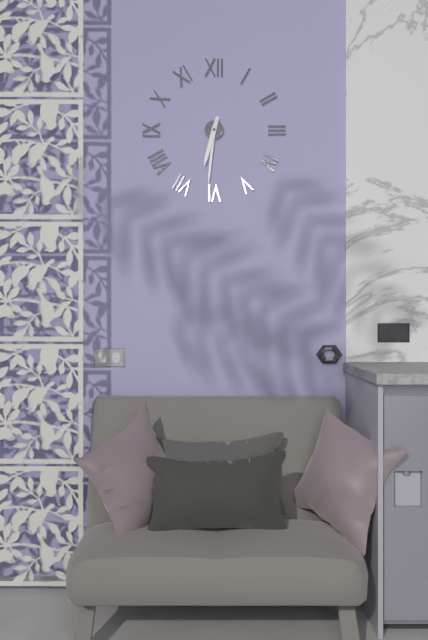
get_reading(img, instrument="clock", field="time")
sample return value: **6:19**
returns **6:31**
